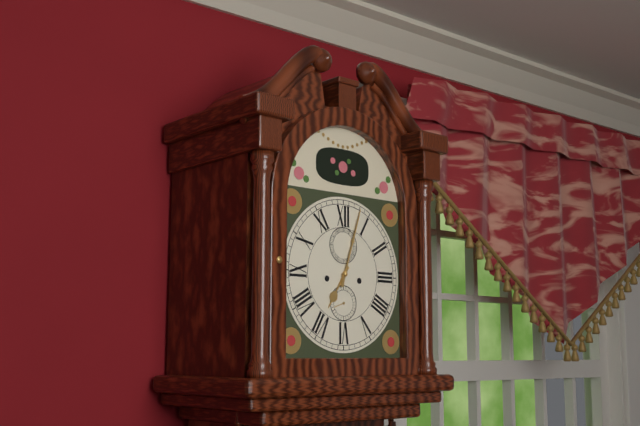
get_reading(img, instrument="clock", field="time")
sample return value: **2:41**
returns **7:03**
